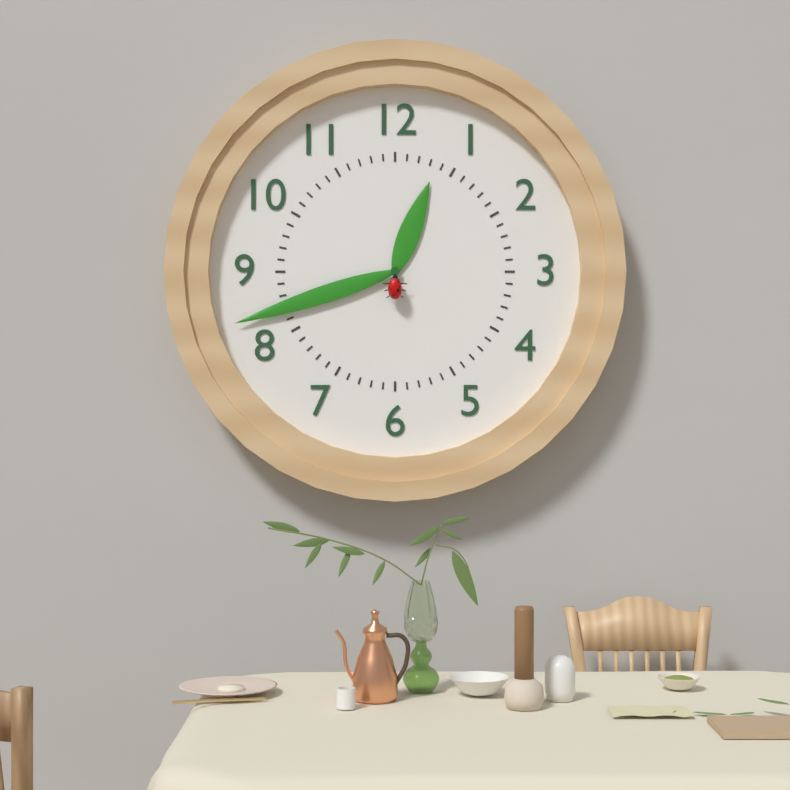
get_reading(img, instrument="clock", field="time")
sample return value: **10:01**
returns **12:42**
